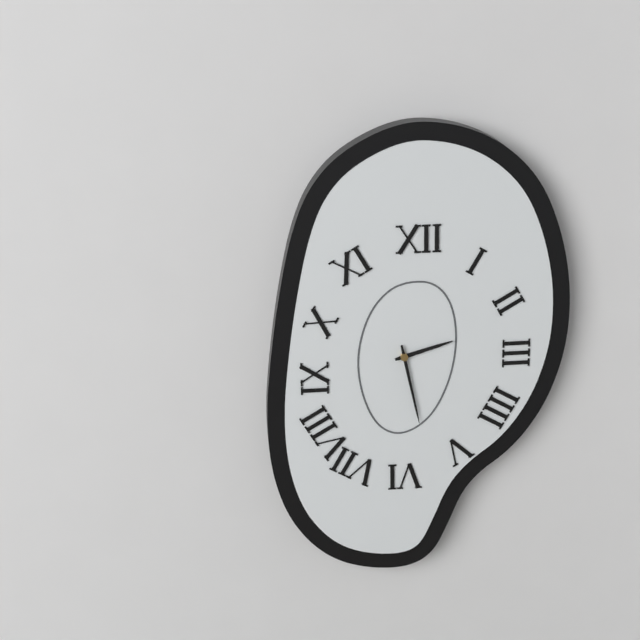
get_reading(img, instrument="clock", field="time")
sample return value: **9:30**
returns **2:28**
